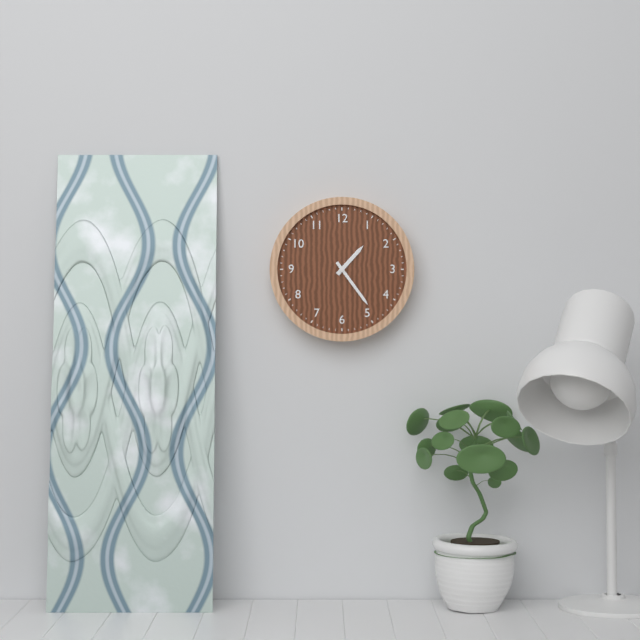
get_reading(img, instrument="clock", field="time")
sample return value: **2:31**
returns **1:24**
